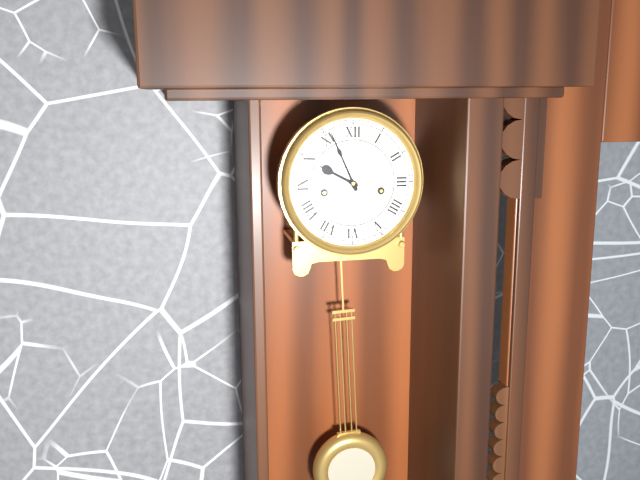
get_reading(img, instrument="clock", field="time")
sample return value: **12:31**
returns **9:56**
